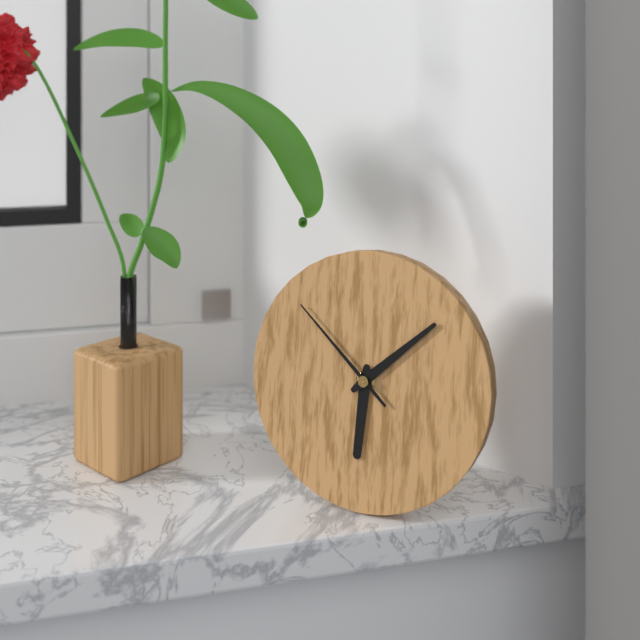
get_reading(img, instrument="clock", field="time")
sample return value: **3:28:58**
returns **6:08:52**
